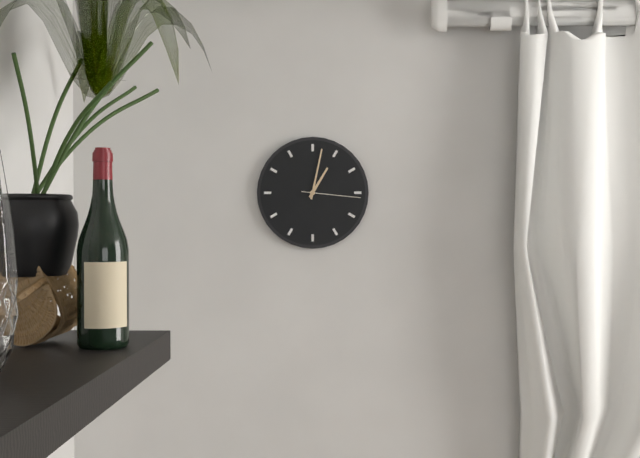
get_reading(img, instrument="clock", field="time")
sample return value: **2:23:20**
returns **1:02:16**
